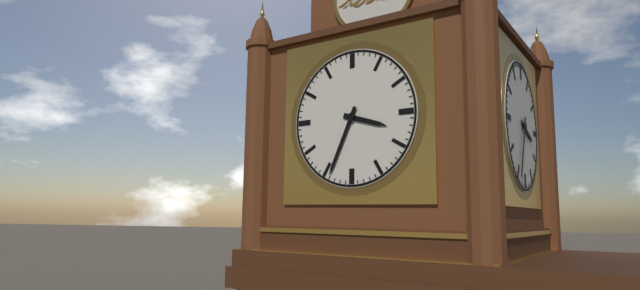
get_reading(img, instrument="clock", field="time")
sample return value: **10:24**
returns **3:34**
